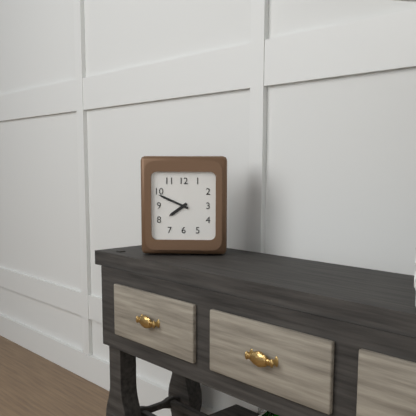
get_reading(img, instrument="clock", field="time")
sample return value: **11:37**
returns **7:49**
